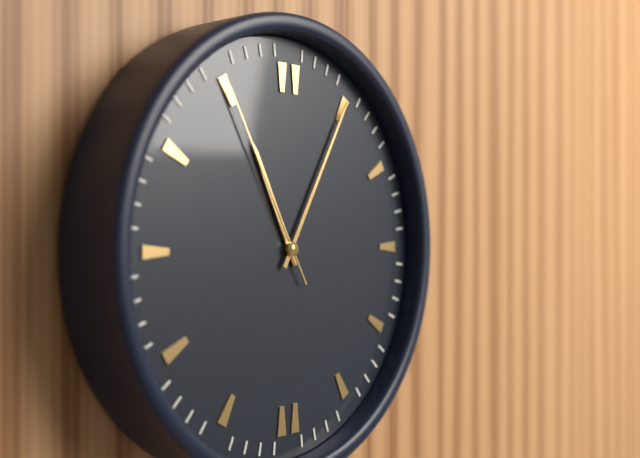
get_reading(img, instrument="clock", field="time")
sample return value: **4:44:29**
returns **11:05:55**
